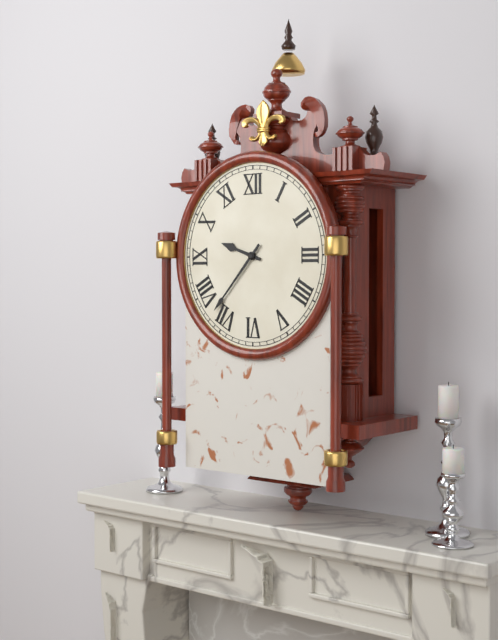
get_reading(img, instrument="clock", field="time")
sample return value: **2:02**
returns **9:37**
